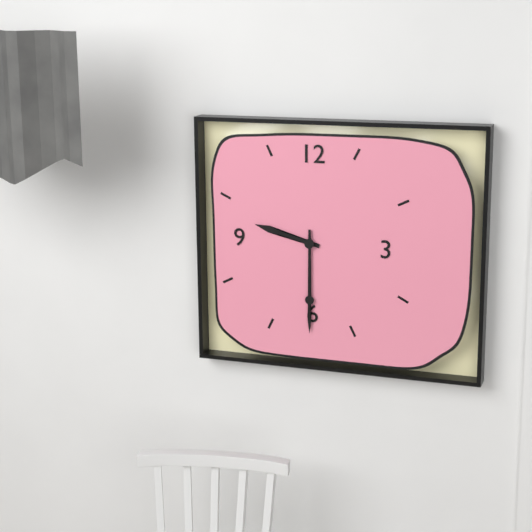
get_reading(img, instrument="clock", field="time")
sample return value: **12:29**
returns **9:30**
